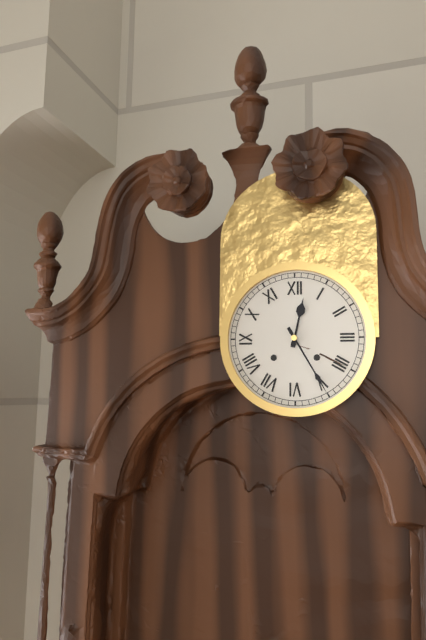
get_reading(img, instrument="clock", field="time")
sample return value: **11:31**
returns **12:25**
